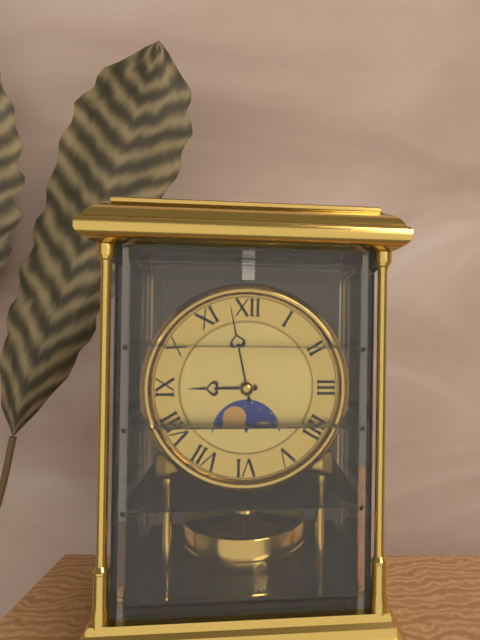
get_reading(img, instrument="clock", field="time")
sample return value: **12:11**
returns **8:58**
